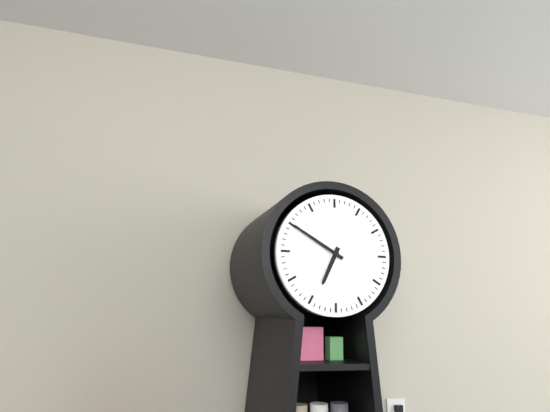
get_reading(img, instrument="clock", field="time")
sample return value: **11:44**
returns **6:50**
